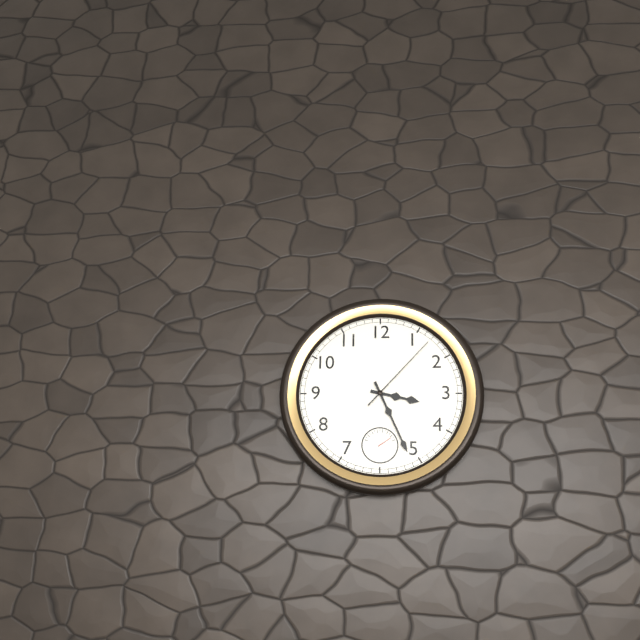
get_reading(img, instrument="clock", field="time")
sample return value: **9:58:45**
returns **3:26:07**
